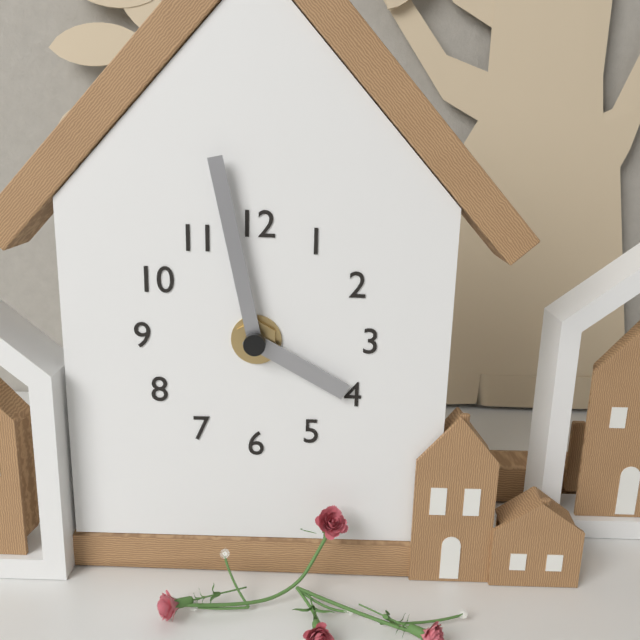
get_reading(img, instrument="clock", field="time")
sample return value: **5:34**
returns **3:58**
